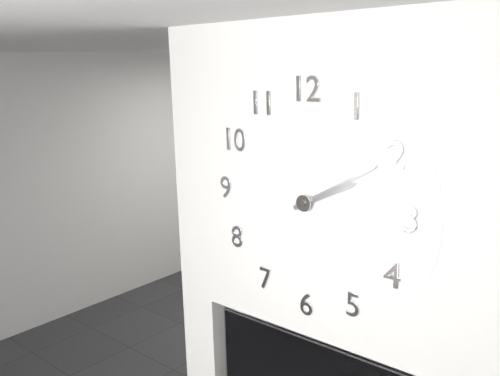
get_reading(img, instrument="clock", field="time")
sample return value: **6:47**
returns **2:10**
